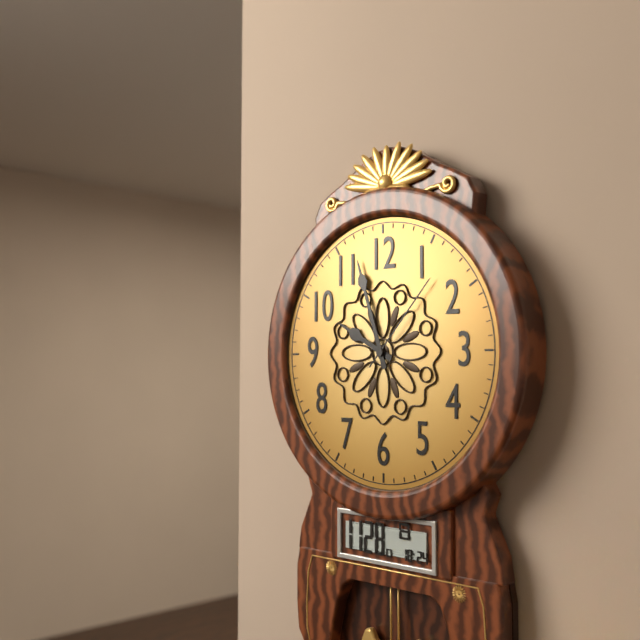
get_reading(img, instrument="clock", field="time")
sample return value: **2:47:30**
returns **9:57:07**
